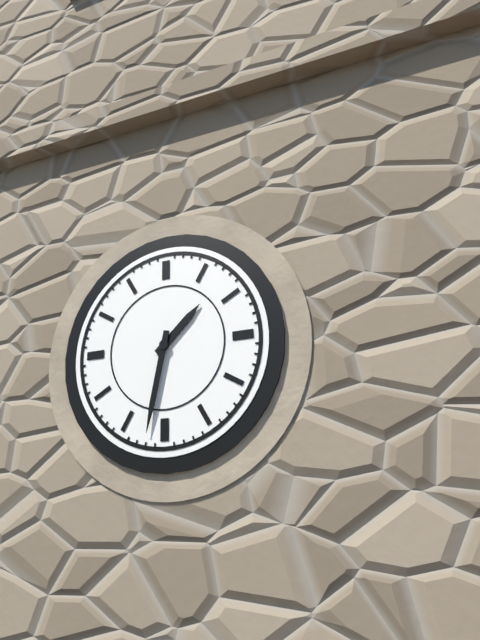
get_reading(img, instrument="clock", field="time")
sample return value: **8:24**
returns **1:32**
